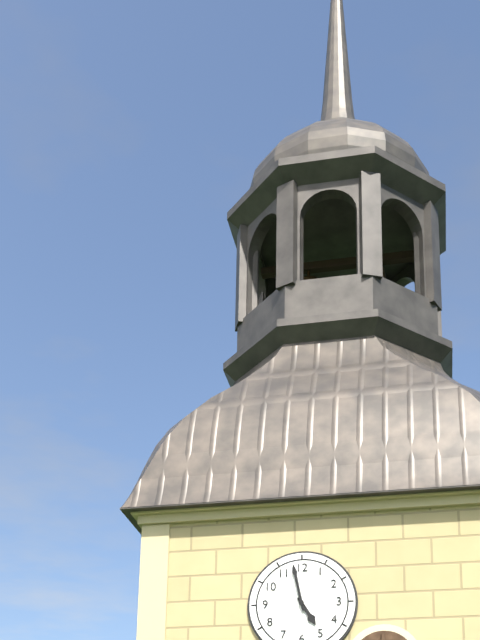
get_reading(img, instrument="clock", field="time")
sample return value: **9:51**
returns **4:58**
